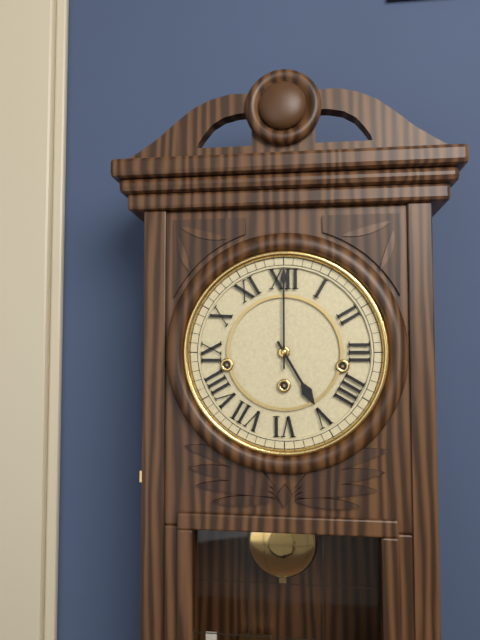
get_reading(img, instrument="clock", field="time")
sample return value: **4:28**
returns **5:00**
